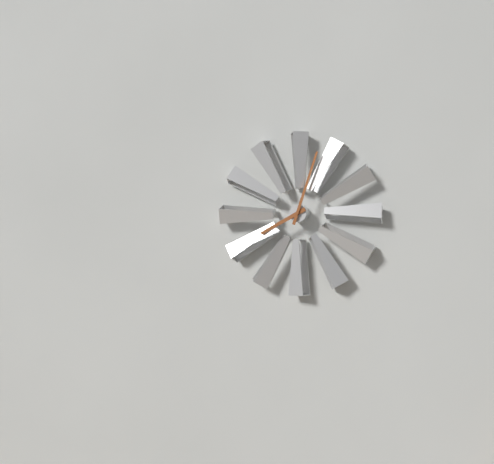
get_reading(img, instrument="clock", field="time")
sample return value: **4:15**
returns **8:03**
